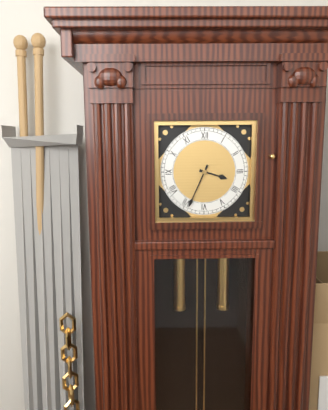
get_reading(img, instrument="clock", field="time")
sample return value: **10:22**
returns **3:34**
